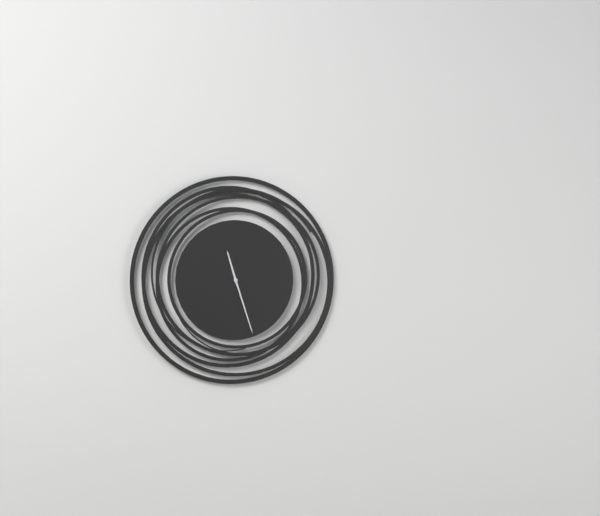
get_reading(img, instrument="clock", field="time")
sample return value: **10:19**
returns **11:27**
